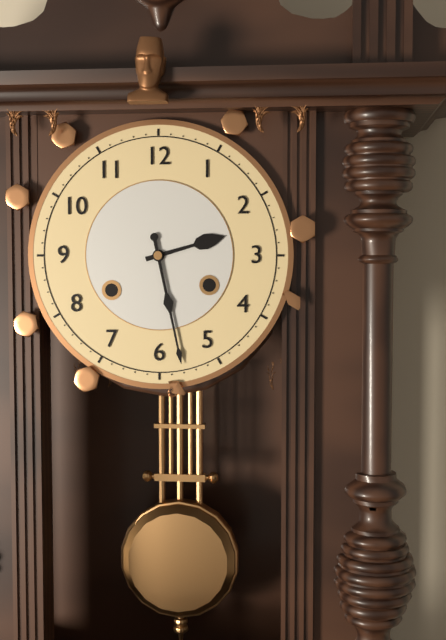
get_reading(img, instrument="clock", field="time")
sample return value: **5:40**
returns **2:28**
